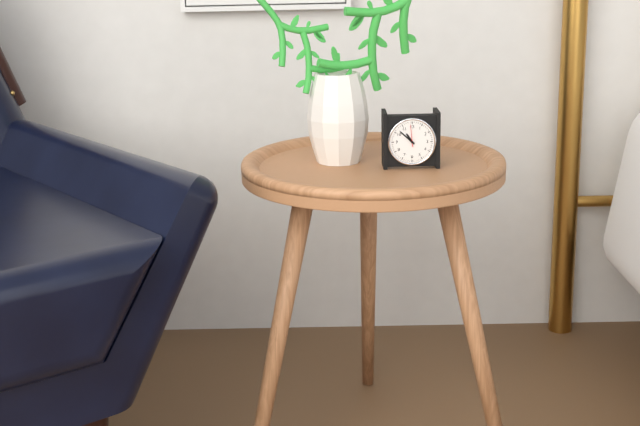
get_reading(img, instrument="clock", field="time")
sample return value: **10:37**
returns **10:52**
